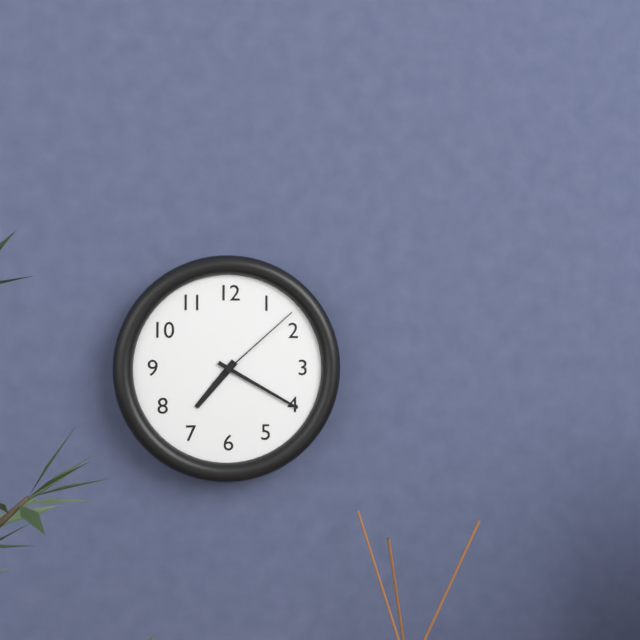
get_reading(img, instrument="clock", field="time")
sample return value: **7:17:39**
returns **7:20:08**
